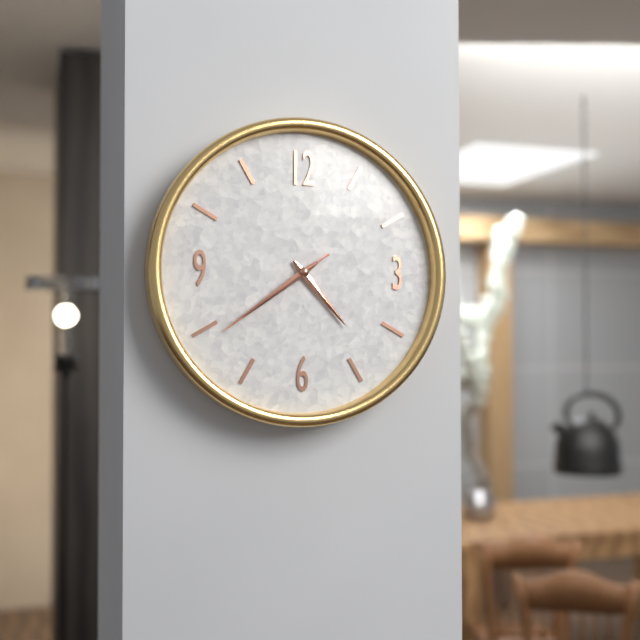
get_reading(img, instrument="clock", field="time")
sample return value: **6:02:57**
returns **4:39:39**
